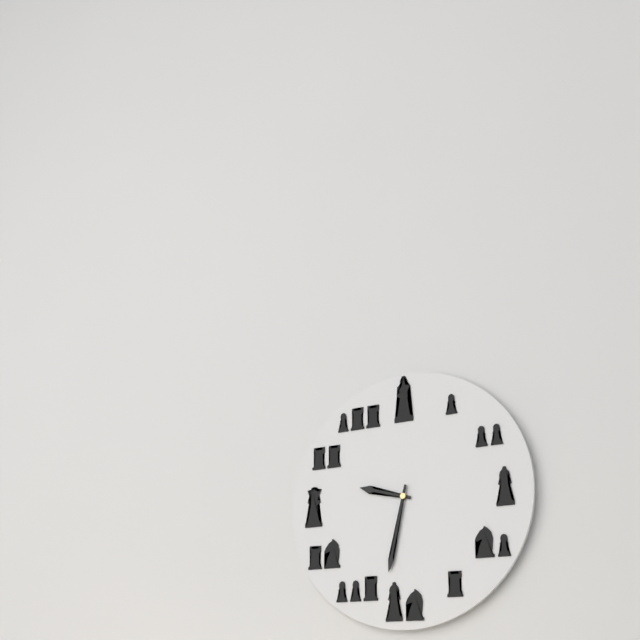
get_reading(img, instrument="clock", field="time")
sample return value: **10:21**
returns **9:32**
